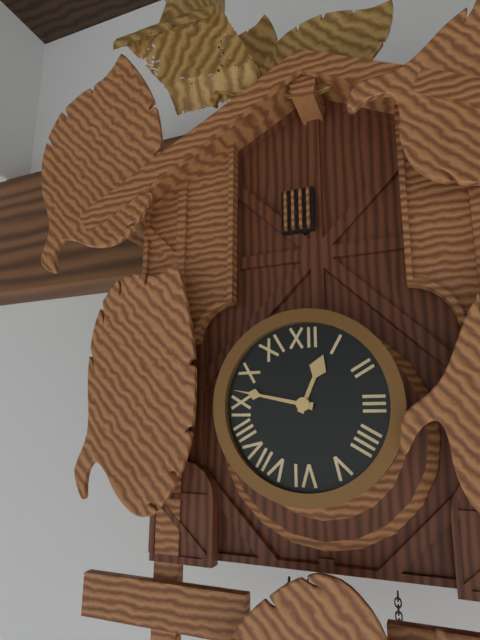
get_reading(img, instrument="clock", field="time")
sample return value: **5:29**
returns **12:47**
